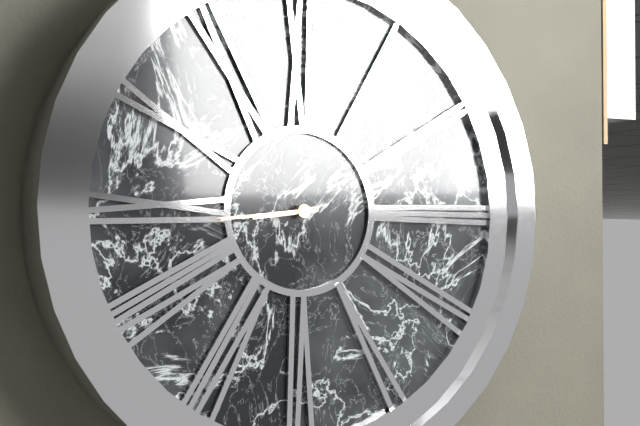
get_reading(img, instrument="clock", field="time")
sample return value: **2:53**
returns **8:44**
